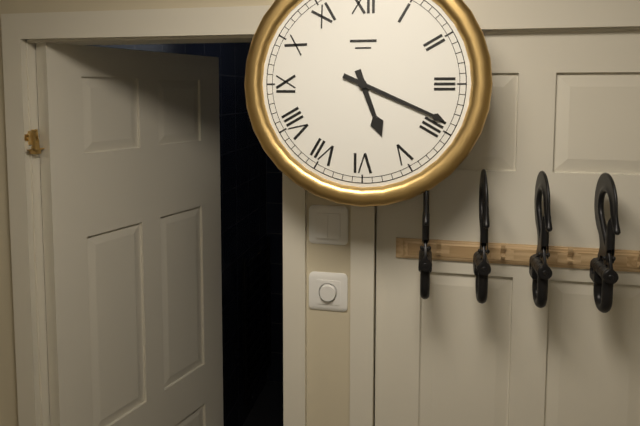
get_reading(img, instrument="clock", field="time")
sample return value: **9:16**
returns **5:19**
